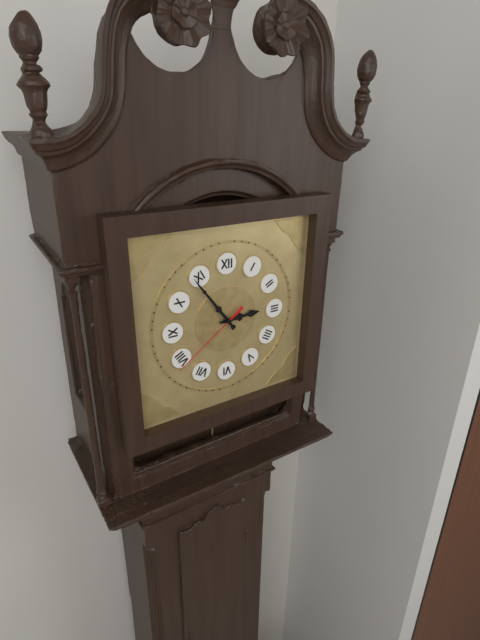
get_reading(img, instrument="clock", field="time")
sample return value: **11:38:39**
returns **2:54:39**
